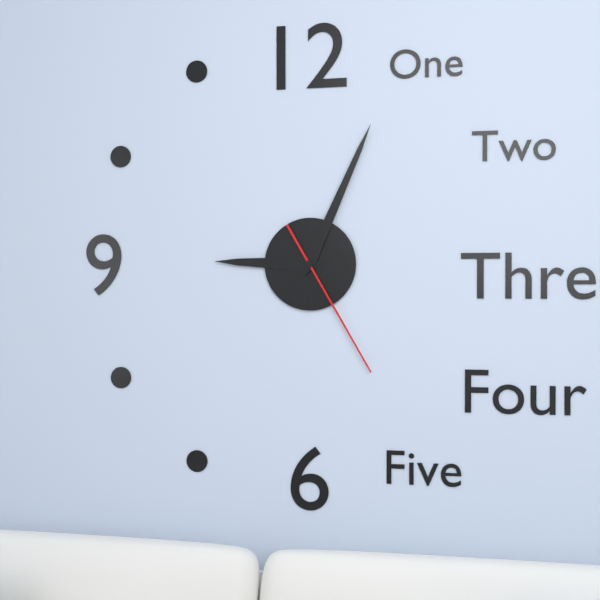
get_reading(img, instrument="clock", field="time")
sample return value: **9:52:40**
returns **9:04:25**
